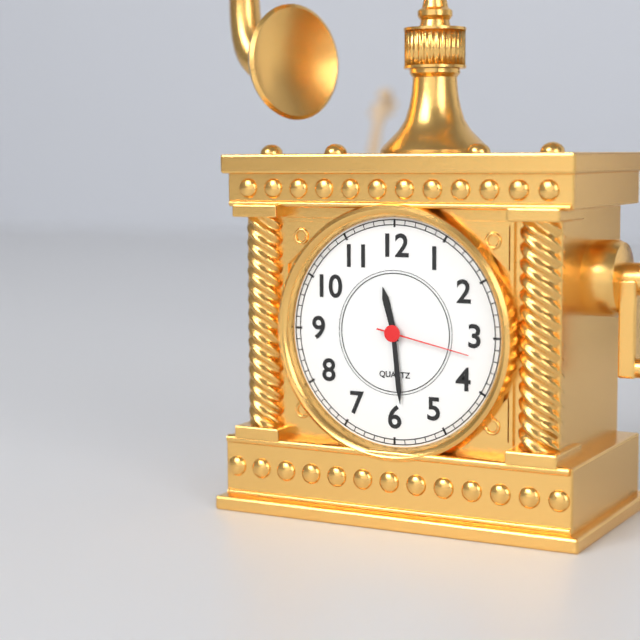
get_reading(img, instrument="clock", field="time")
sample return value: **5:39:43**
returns **11:29:17**
